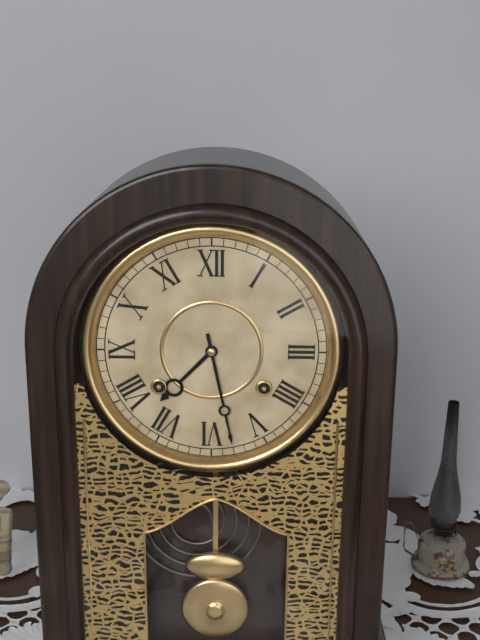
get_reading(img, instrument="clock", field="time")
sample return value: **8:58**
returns **7:28**
